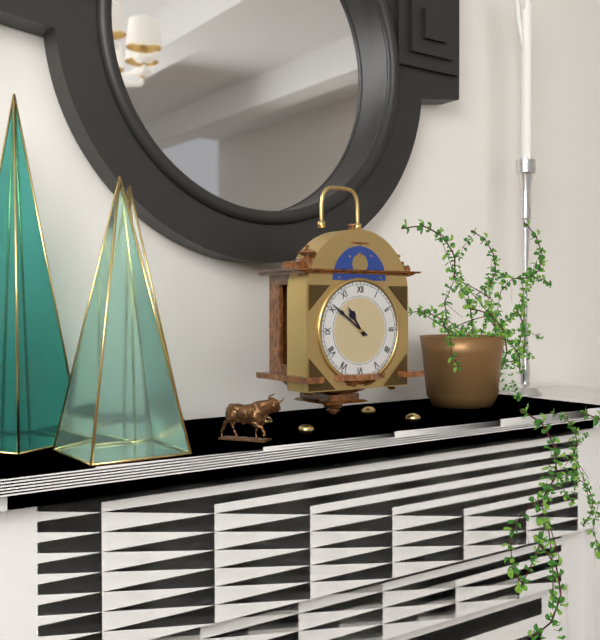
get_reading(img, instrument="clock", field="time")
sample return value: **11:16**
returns **10:51**
